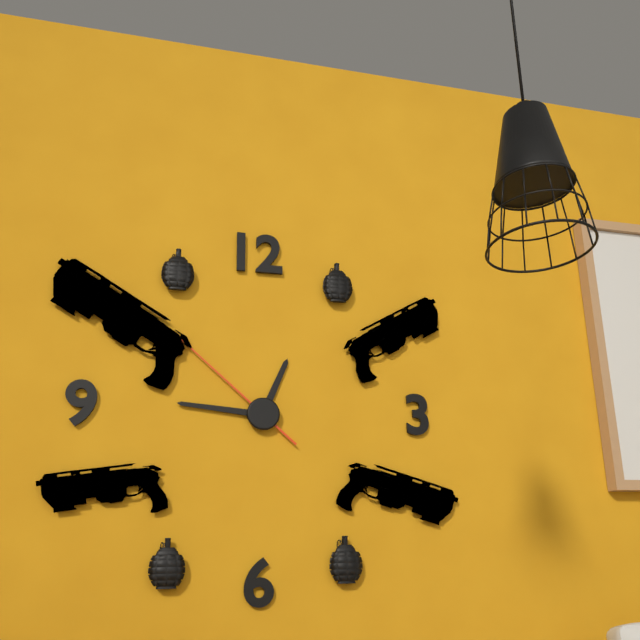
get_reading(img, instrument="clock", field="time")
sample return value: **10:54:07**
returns **12:46:52**
